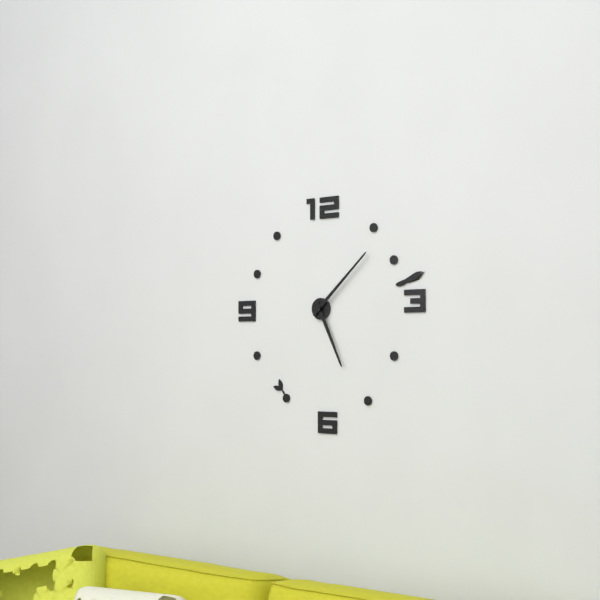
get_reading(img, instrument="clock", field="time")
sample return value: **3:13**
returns **5:08**
